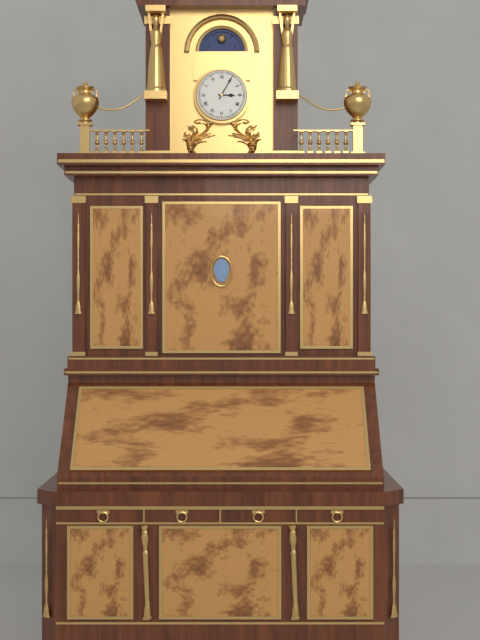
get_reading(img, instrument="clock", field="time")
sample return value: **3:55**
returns **3:05**
